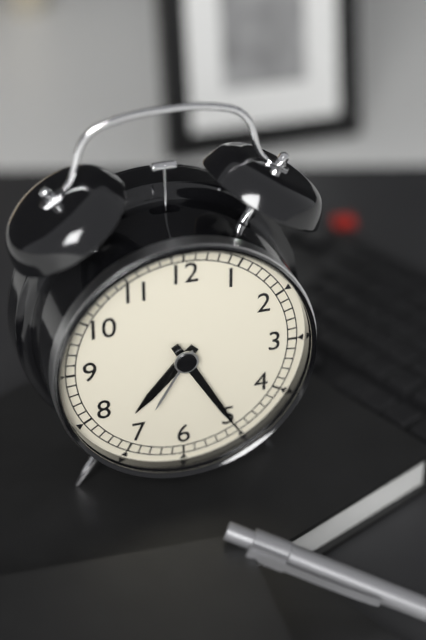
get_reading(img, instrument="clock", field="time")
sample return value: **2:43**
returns **7:25**
